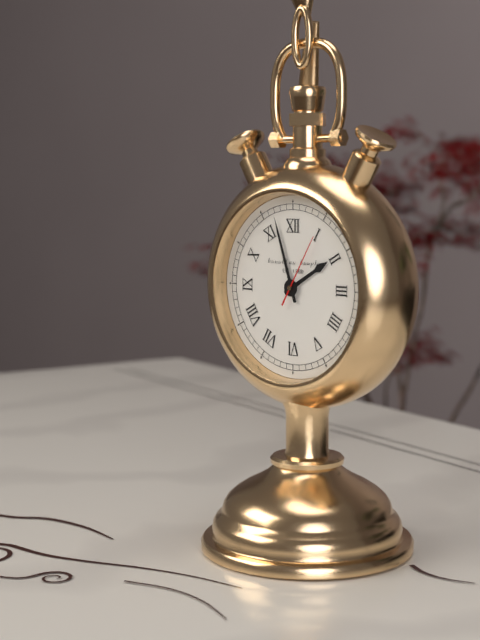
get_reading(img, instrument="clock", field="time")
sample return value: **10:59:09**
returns **1:57:05**
